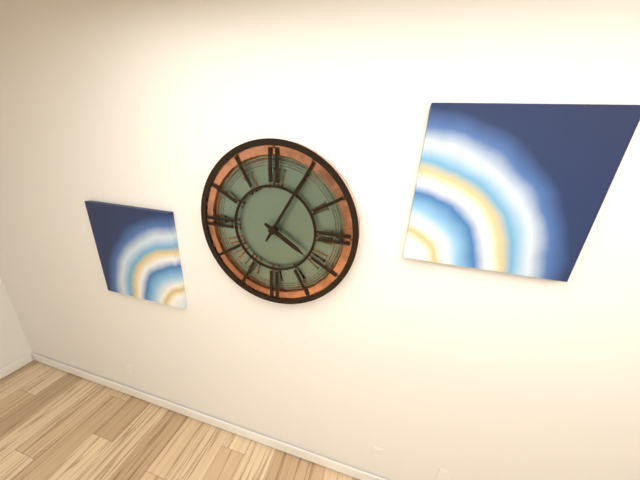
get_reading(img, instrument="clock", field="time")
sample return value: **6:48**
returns **4:05**
